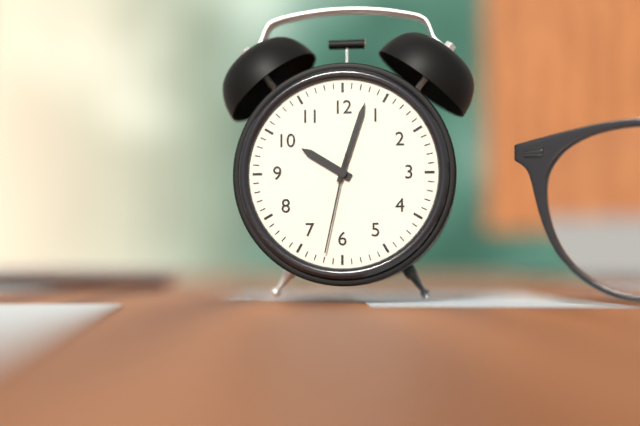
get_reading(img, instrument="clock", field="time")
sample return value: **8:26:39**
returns **10:03:32**
